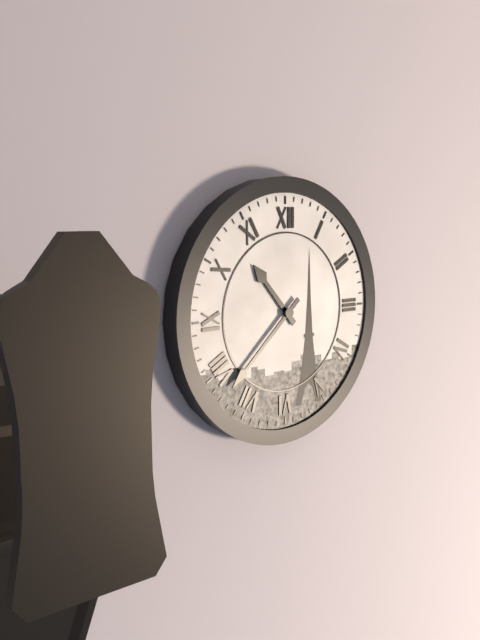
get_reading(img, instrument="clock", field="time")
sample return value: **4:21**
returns **10:38**
